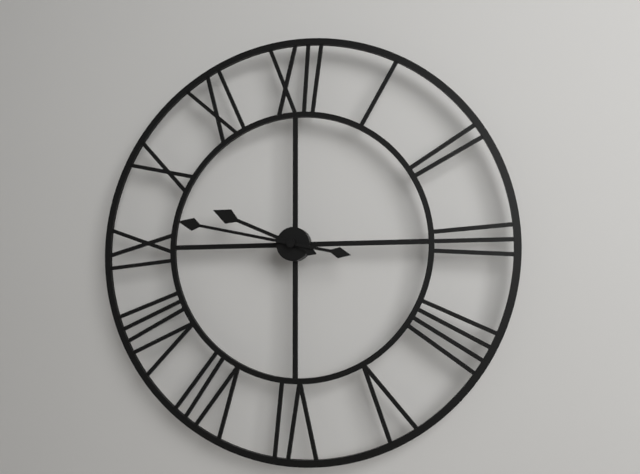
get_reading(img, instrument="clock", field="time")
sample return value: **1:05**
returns **9:47**
